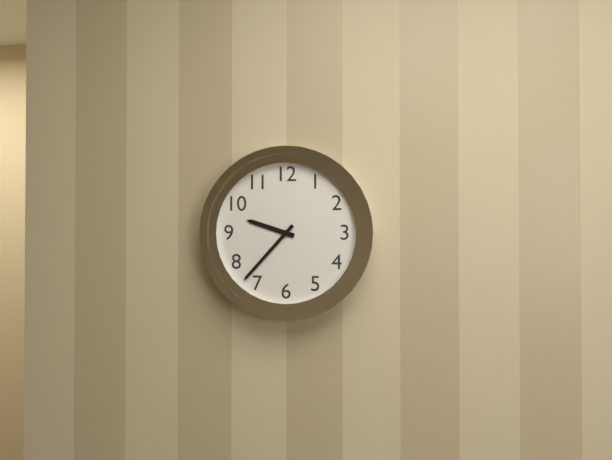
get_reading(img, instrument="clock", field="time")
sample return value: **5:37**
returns **9:37**
